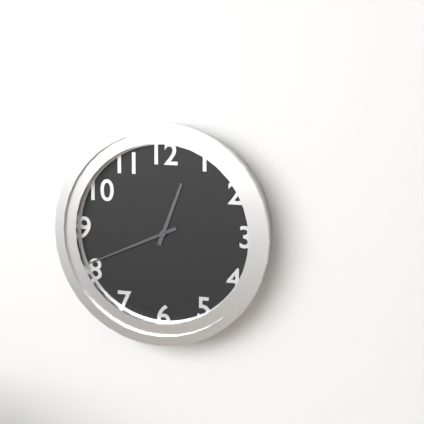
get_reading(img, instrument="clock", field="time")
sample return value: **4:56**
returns **12:41**
